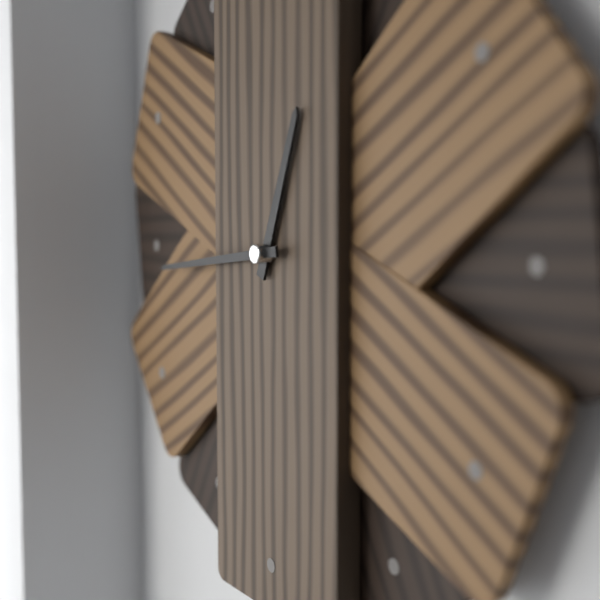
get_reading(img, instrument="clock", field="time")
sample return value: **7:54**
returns **12:44**
